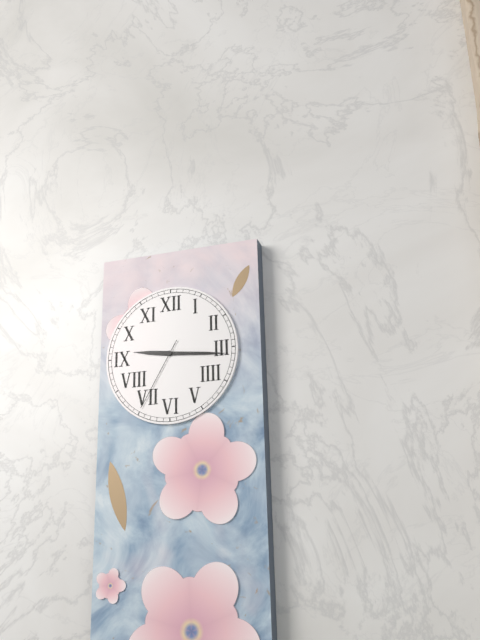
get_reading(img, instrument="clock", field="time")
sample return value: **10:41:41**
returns **9:16:35**
